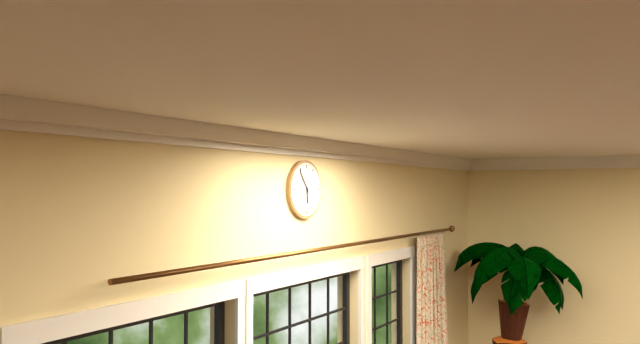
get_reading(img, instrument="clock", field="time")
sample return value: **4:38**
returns **5:54**
